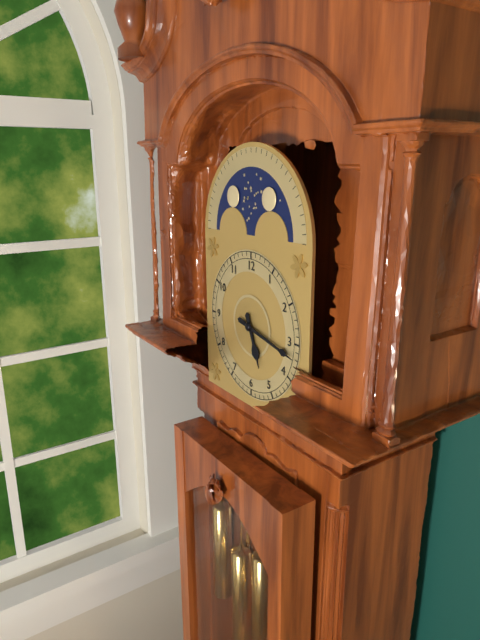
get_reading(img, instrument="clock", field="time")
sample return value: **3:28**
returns **5:17**
